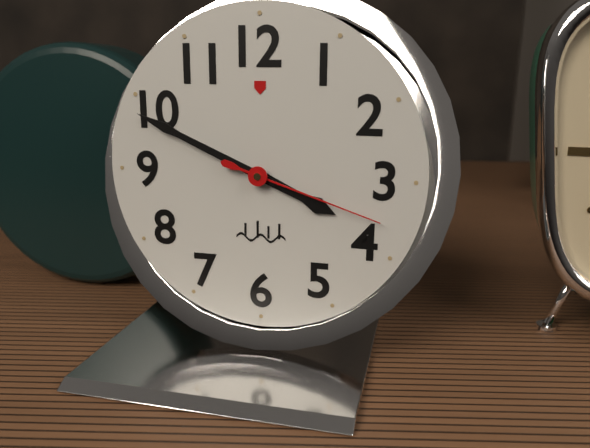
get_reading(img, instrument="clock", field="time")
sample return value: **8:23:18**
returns **3:49:18**
